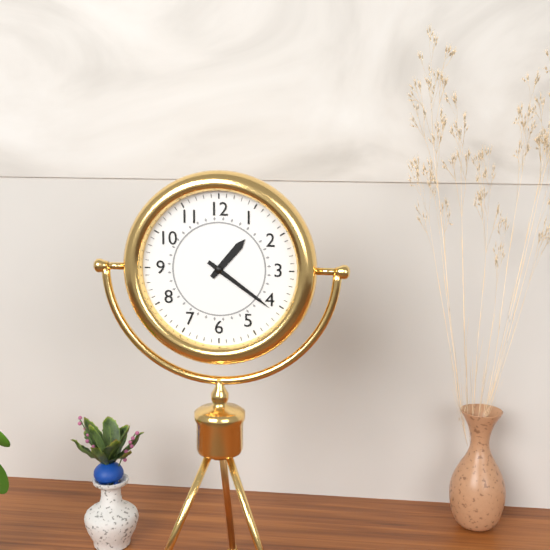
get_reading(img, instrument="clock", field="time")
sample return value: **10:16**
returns **1:21**
